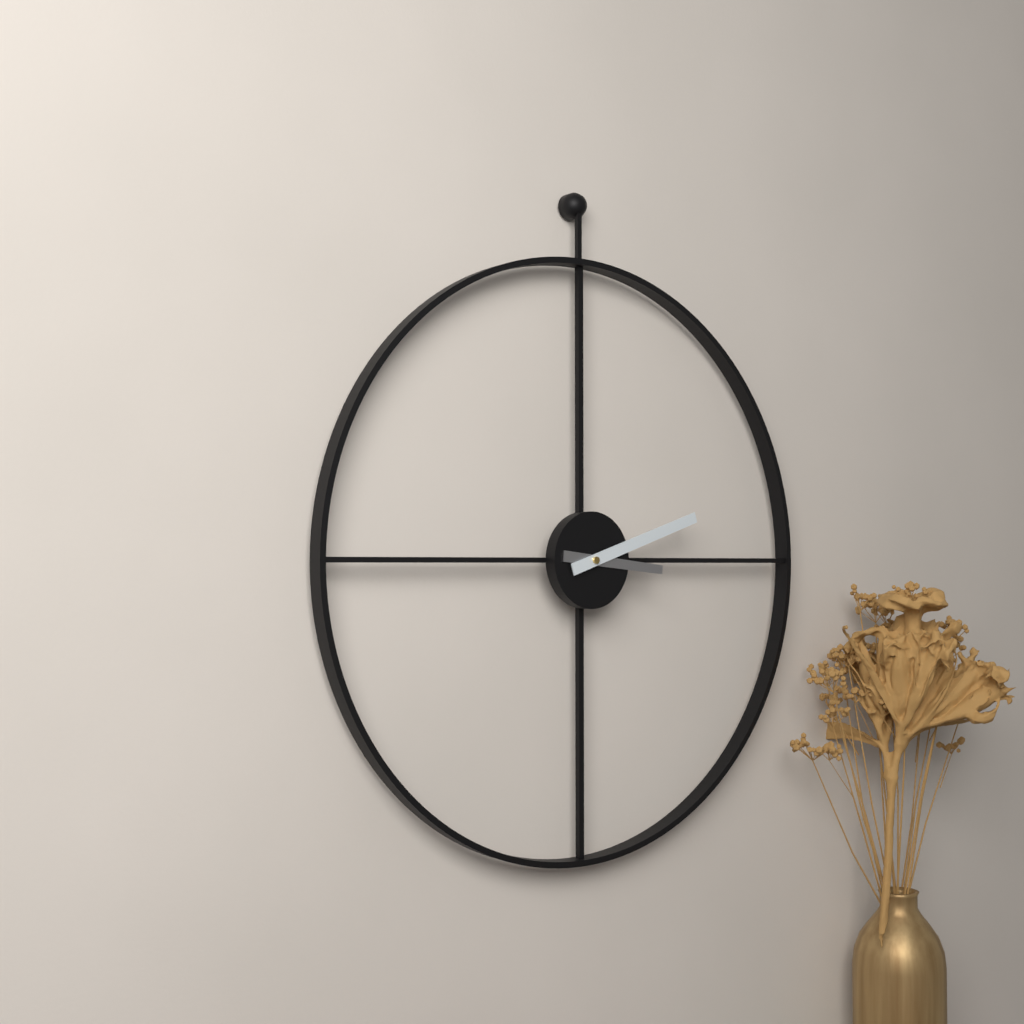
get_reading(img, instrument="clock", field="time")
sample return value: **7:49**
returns **3:12**
